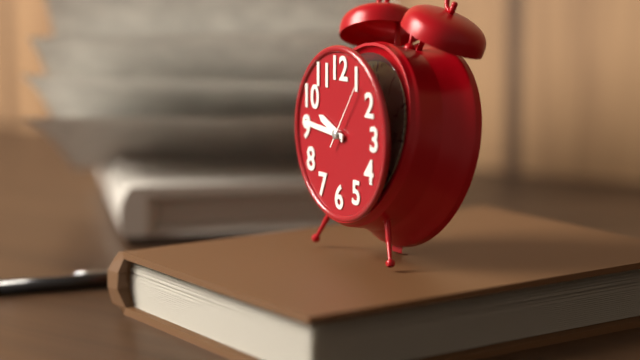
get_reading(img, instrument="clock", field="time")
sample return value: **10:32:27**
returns **9:46:06**
